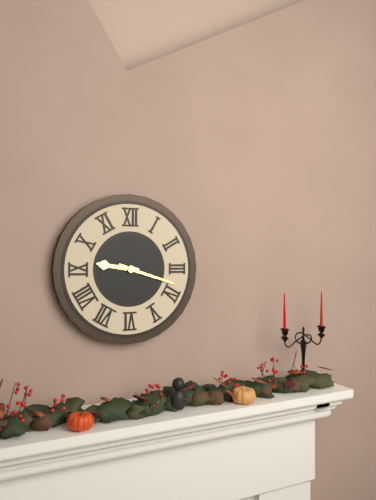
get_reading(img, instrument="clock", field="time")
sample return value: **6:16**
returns **9:18**
